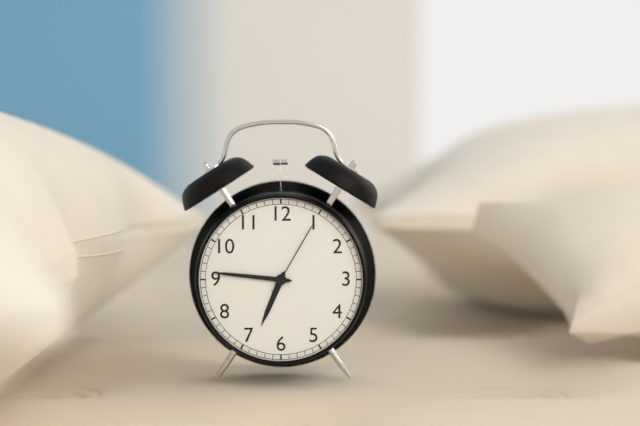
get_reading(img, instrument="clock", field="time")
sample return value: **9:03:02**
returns **6:46:05**
